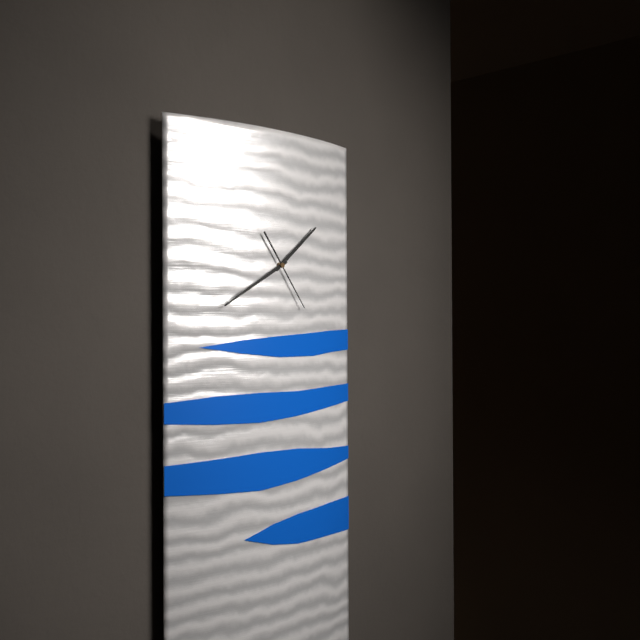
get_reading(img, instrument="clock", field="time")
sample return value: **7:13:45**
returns **1:40:24**
